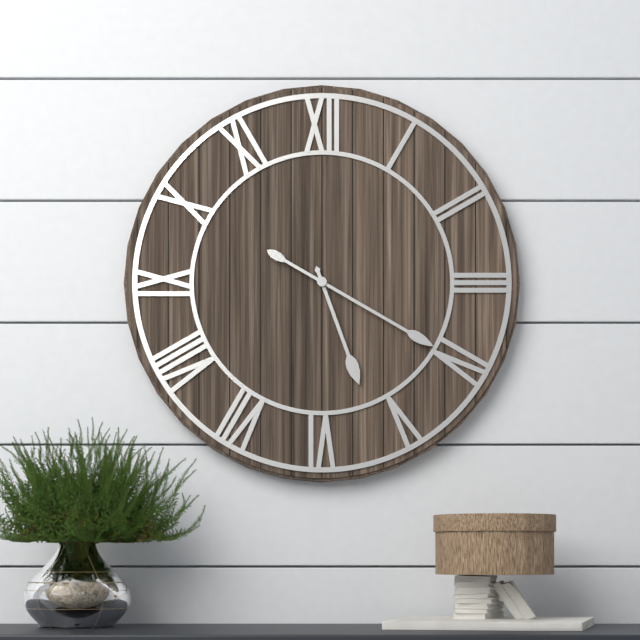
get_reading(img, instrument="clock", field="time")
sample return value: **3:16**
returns **5:20**
